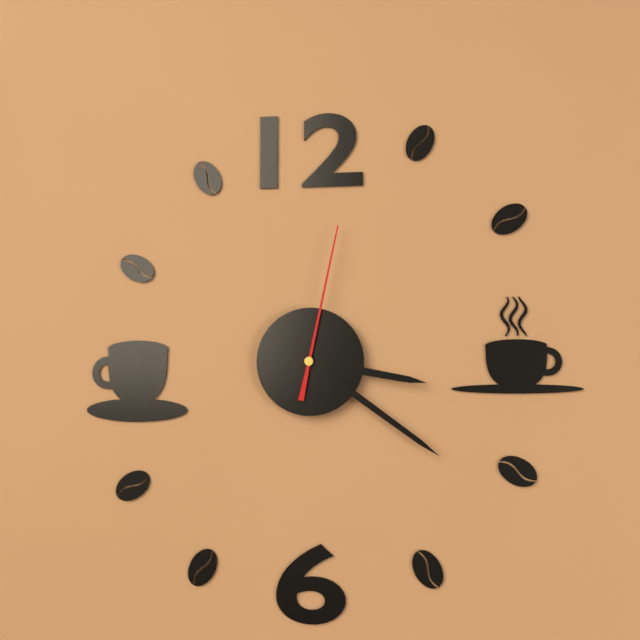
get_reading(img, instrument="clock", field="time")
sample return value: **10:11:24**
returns **3:21:02**
